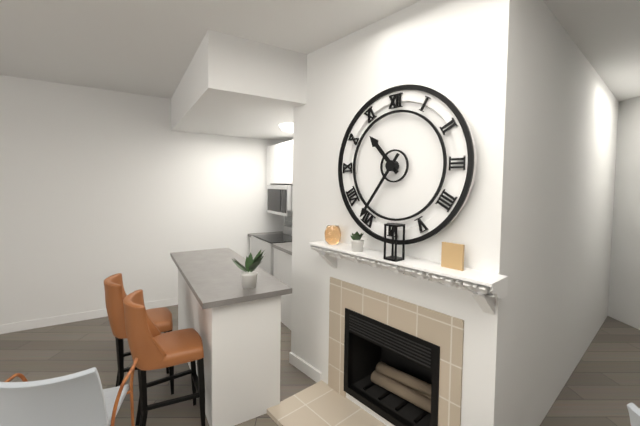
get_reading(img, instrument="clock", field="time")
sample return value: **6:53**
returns **10:36**
